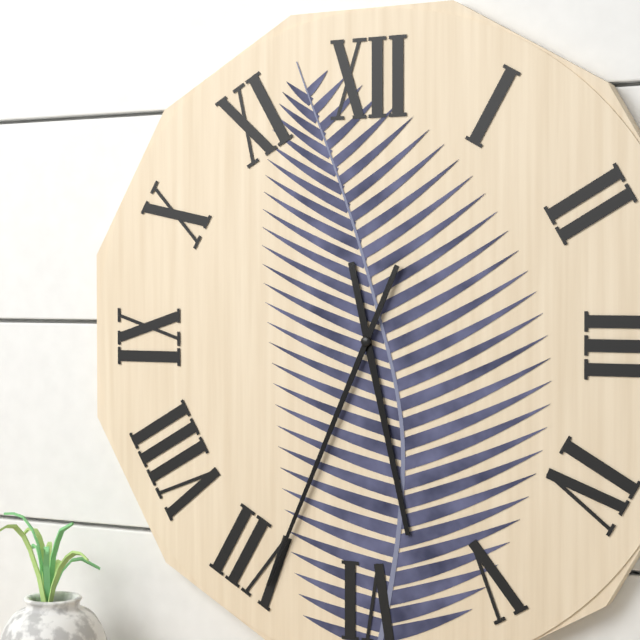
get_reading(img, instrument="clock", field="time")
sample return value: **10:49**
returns **5:34**
